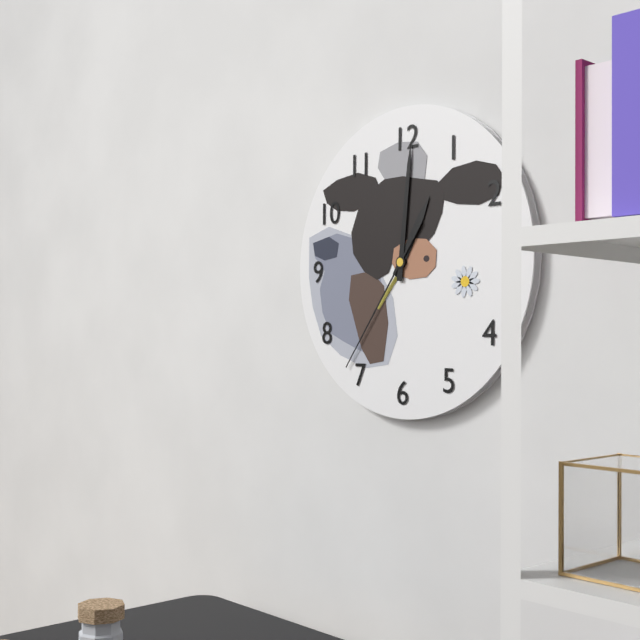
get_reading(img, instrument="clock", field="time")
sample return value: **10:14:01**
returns **1:01:36**
